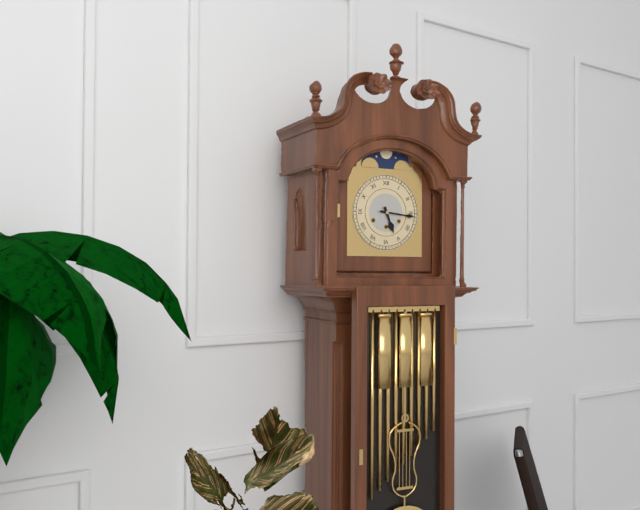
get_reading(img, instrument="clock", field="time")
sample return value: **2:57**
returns **5:16**
